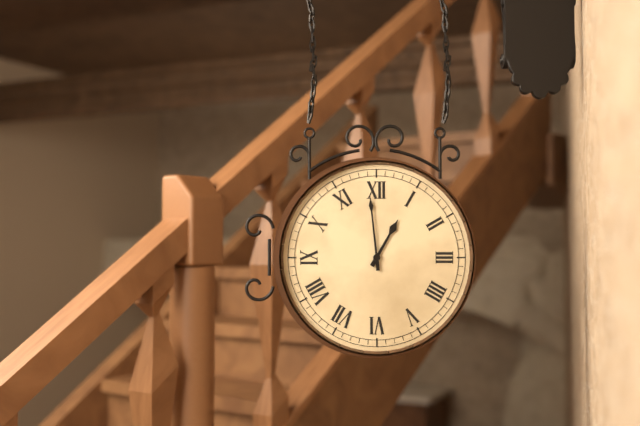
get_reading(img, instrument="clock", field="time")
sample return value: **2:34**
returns **12:59**
